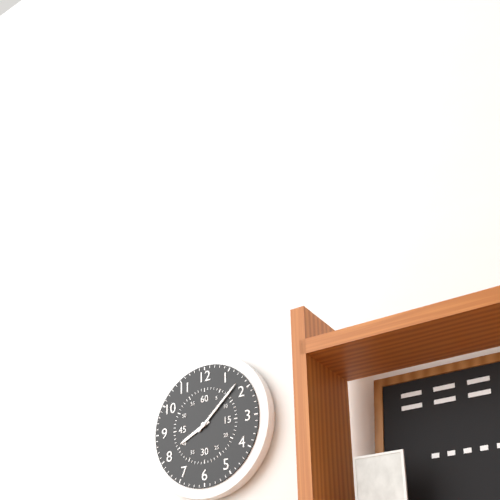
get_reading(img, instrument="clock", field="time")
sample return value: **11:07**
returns **8:08**
